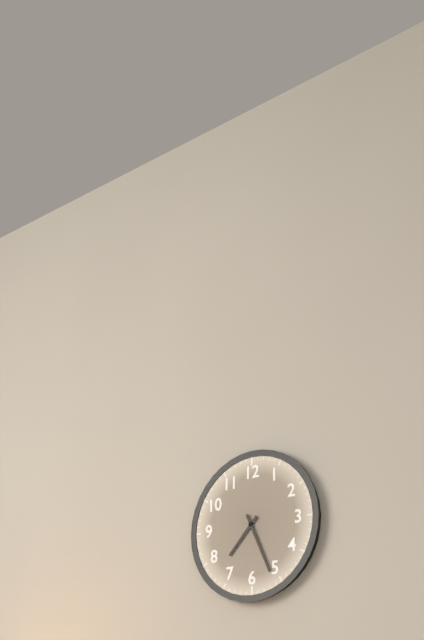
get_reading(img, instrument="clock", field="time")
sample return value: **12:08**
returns **7:26**
